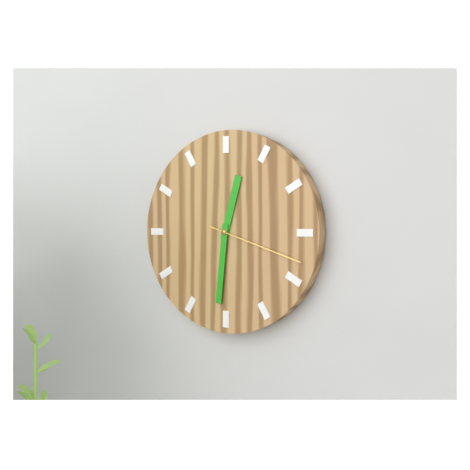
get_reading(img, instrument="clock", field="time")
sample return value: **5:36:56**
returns **12:31:18**
